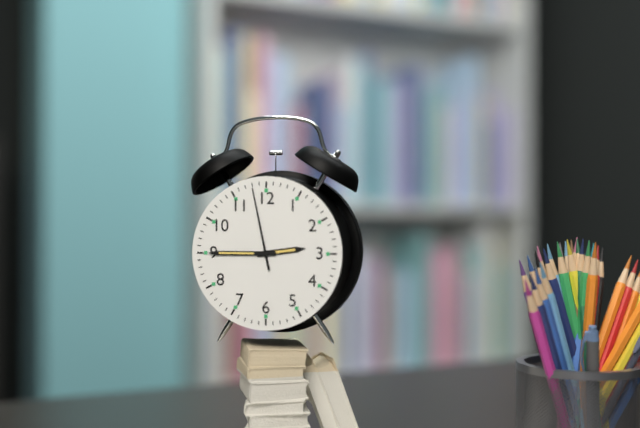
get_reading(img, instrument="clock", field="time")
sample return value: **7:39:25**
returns **2:45:58**
